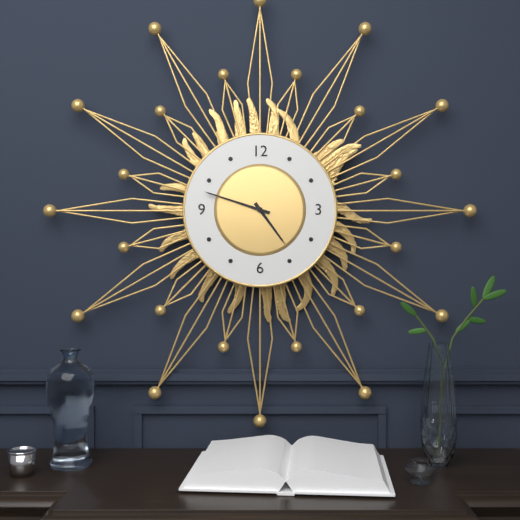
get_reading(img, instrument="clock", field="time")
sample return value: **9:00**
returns **4:48**
